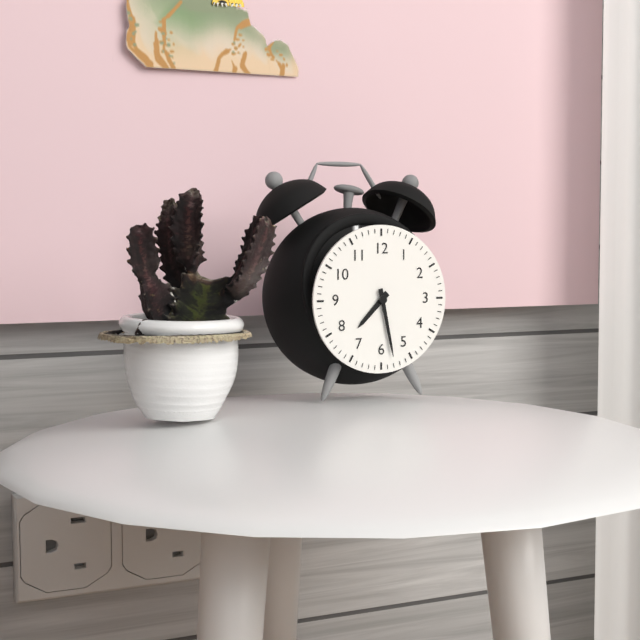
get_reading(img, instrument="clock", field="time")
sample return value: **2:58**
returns **7:28**
